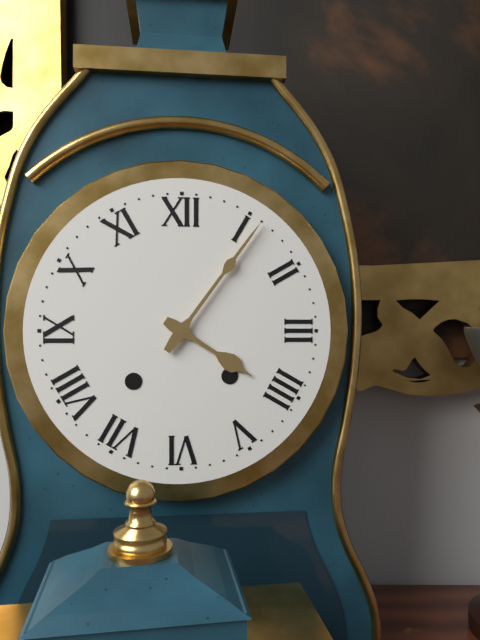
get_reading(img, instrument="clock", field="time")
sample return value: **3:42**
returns **4:06**
